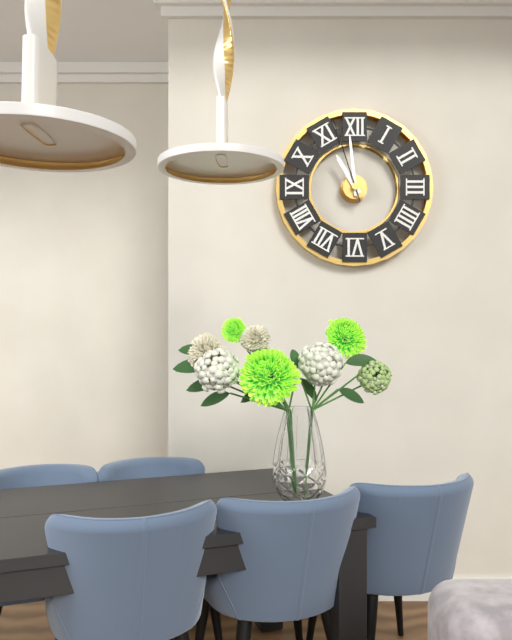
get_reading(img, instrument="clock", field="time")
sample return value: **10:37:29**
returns **10:59:57**
